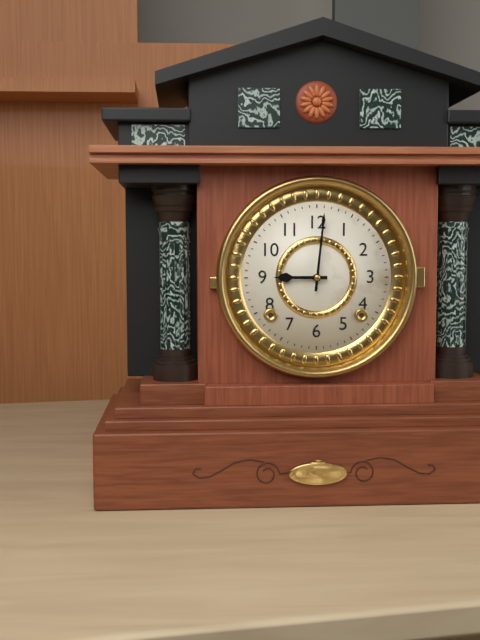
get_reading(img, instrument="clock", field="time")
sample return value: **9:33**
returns **9:01**
